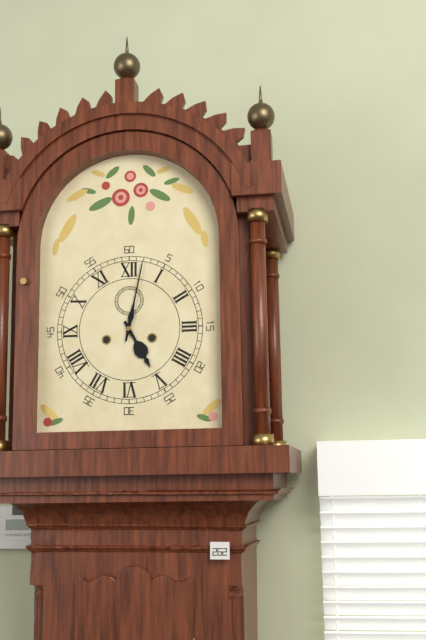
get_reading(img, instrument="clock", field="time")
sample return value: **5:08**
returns **5:02**
